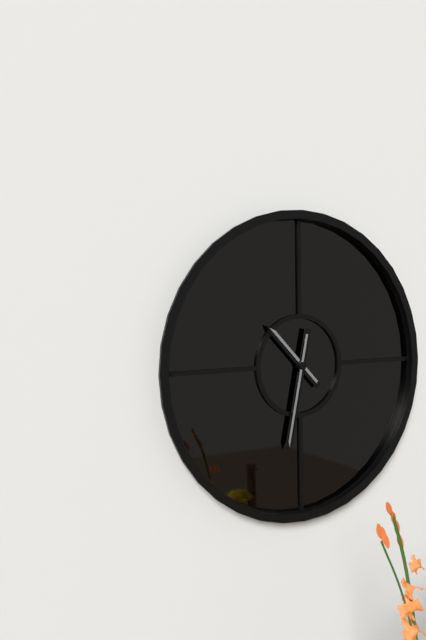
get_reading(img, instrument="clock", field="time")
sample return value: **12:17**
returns **10:32**
